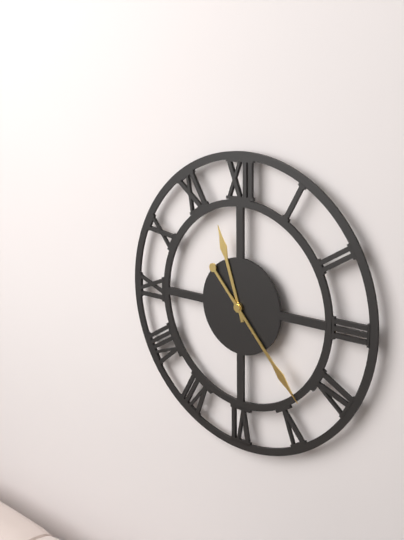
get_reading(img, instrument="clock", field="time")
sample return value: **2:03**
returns **11:23**
